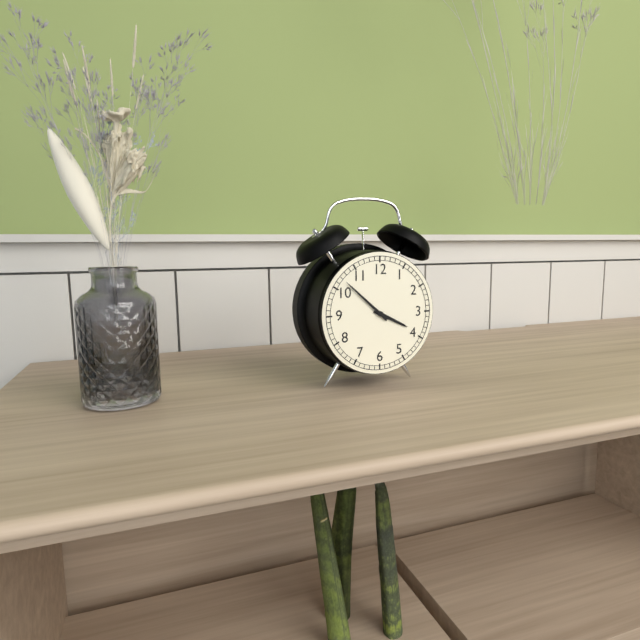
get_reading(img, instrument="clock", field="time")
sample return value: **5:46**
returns **3:52**
